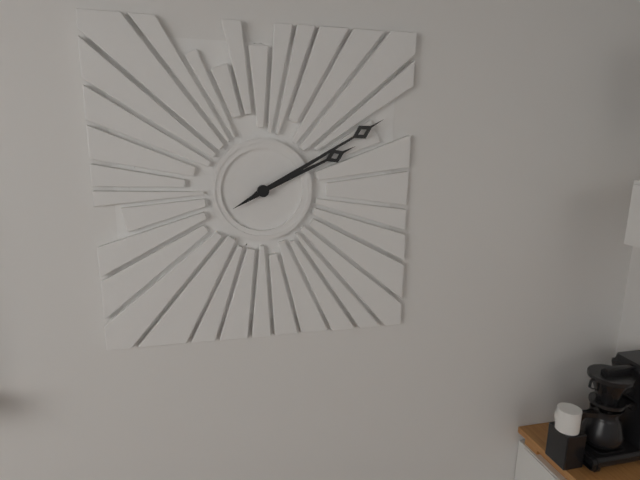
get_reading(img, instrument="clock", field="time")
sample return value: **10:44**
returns **2:10**
